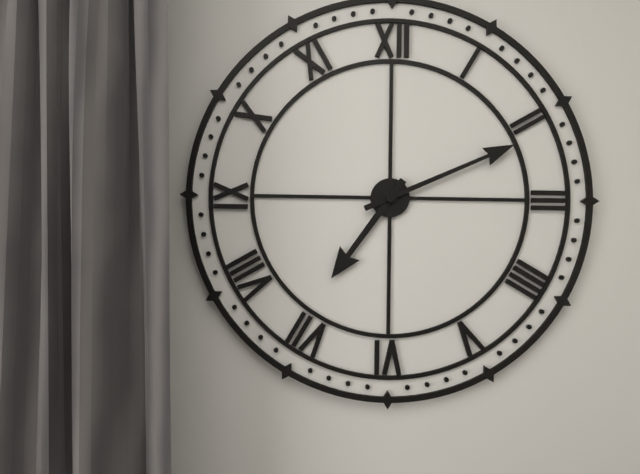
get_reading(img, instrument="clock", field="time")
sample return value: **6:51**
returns **7:11**
